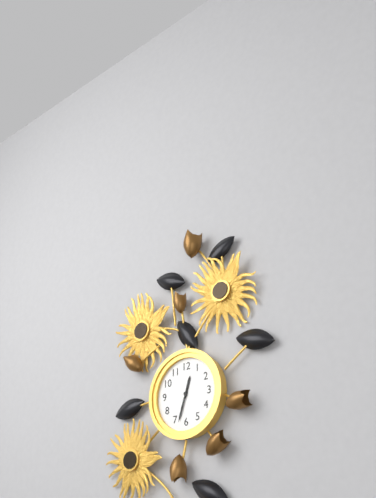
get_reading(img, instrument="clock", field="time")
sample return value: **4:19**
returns **12:33**
